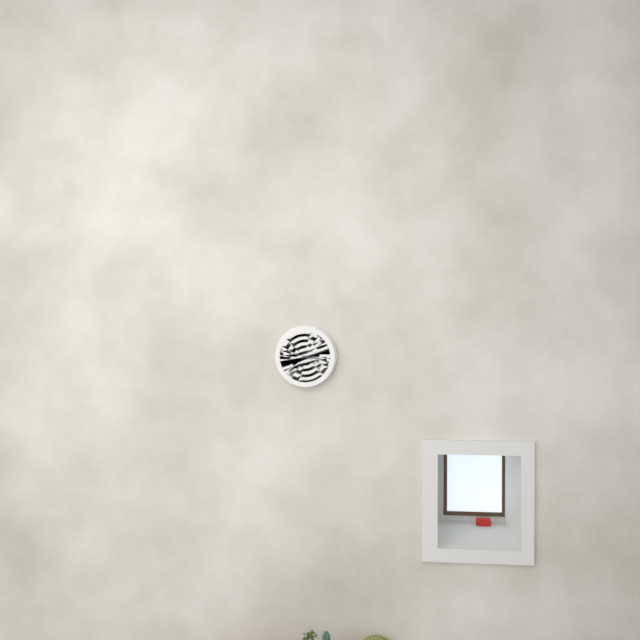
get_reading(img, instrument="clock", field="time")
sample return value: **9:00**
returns **3:12**
